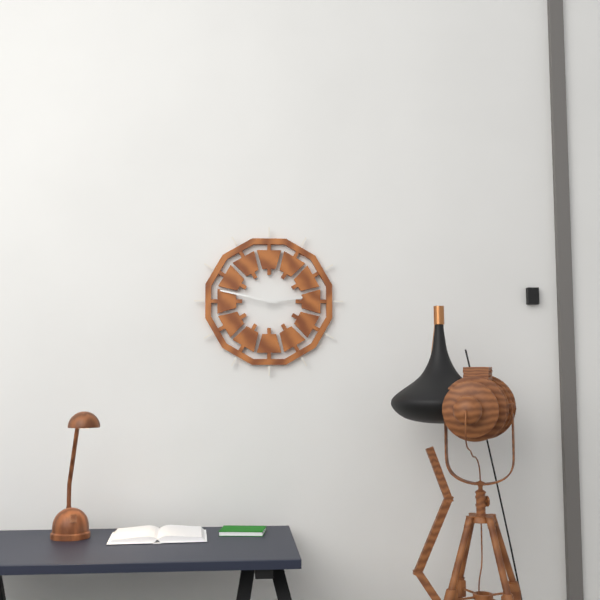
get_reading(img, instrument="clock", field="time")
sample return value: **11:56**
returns **2:47**
